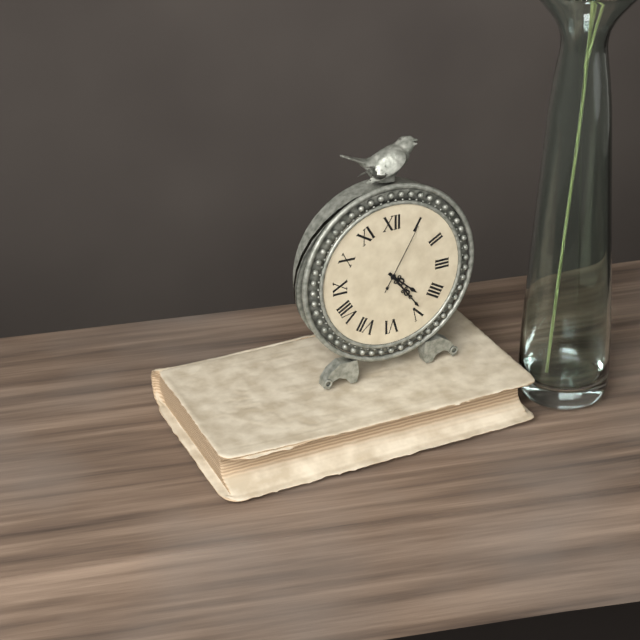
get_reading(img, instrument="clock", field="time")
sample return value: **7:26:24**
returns **4:24:05**
